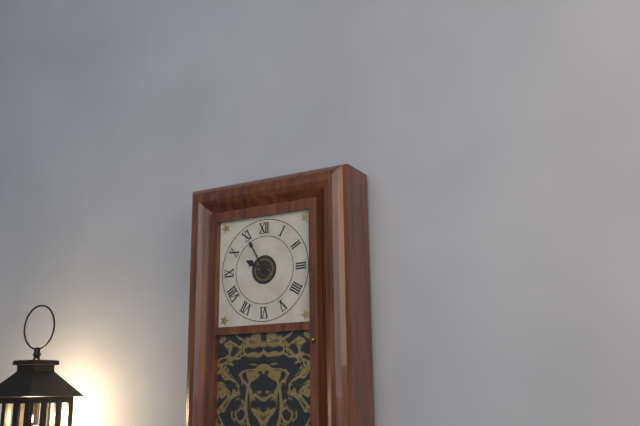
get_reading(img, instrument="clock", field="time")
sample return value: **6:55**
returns **9:55**
